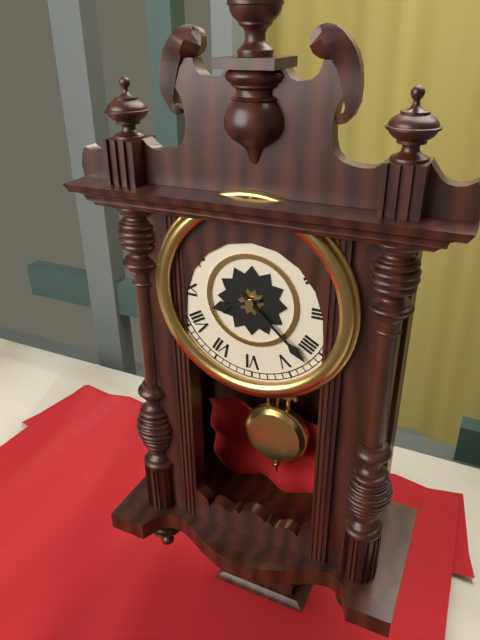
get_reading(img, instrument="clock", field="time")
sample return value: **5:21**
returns **8:22**
